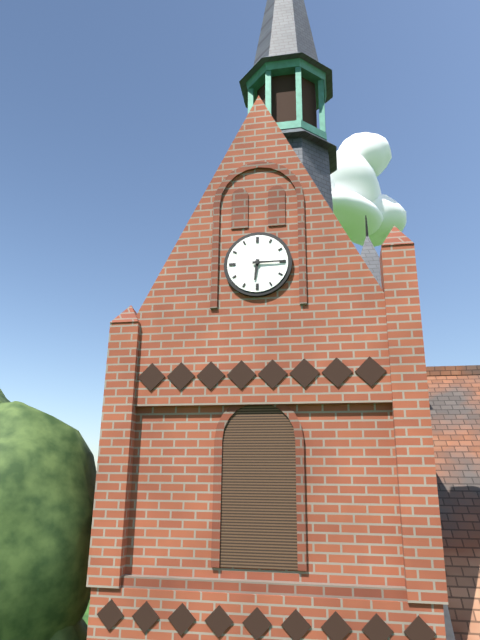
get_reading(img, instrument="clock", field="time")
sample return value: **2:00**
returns **6:15**
